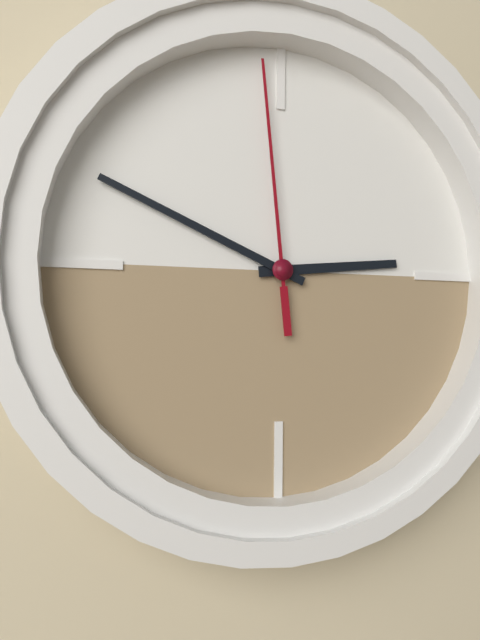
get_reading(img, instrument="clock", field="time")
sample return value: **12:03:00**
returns **2:49:59**
